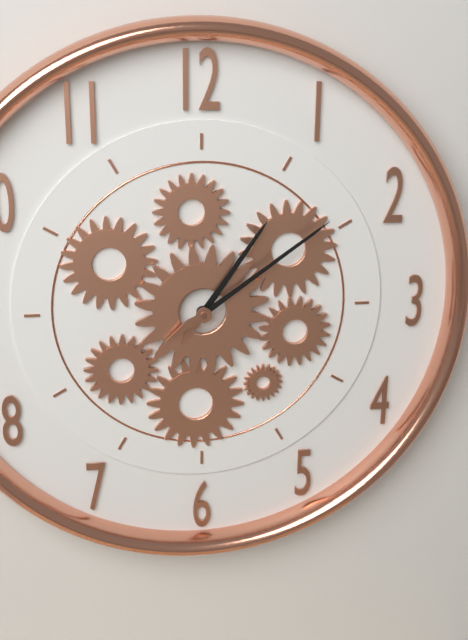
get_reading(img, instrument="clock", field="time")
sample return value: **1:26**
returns **1:09**
